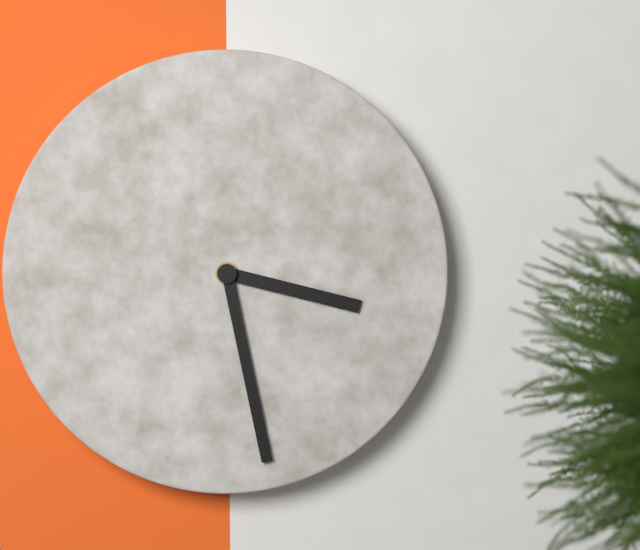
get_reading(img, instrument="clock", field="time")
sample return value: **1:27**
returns **3:28**
